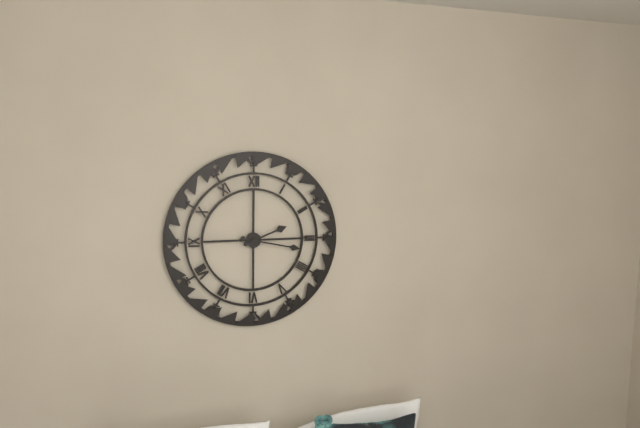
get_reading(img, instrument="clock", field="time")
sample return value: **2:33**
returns **2:17**
